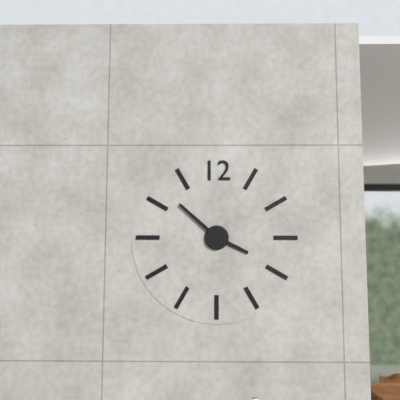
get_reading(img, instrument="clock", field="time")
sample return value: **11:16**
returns **3:52**
